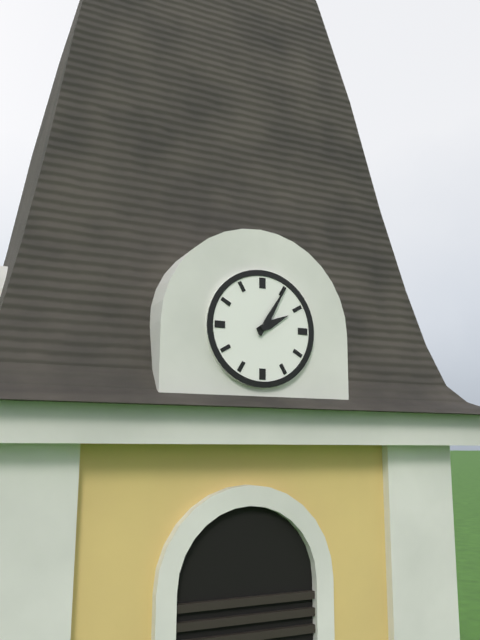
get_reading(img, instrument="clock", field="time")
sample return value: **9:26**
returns **2:05**
